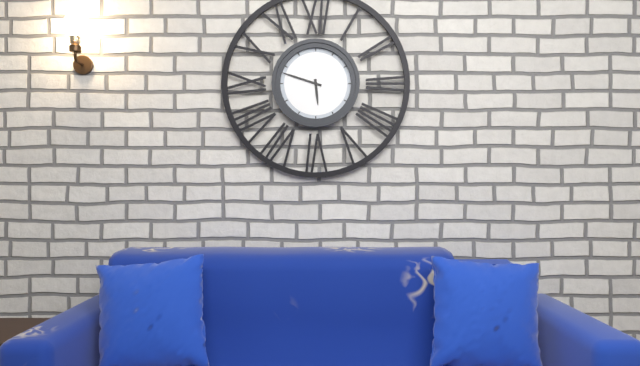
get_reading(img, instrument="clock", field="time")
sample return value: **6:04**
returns **5:48**
